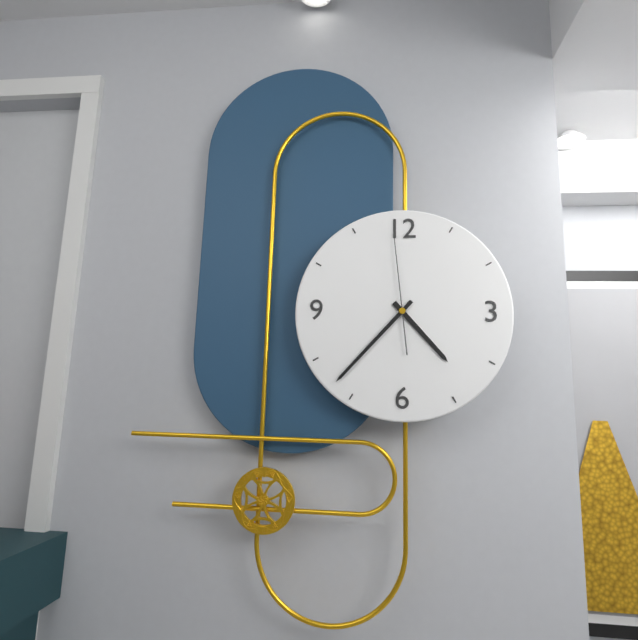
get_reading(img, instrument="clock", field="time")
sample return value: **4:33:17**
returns **4:37:59**
